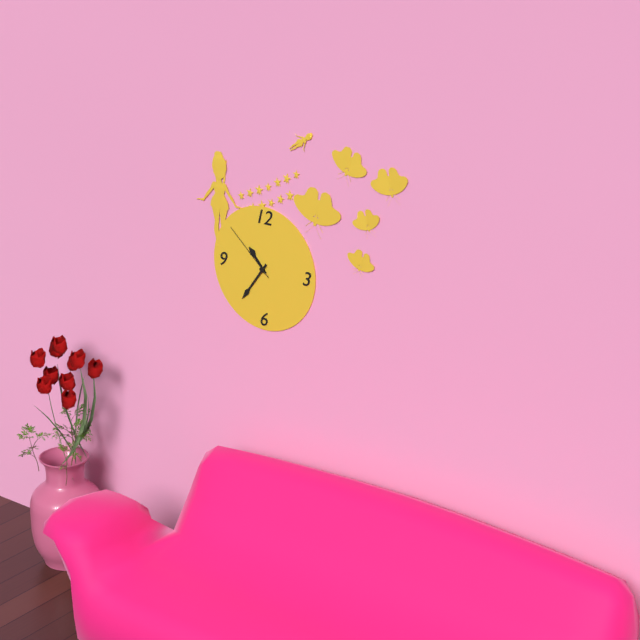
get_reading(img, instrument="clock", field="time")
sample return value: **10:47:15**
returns **10:36:52**
